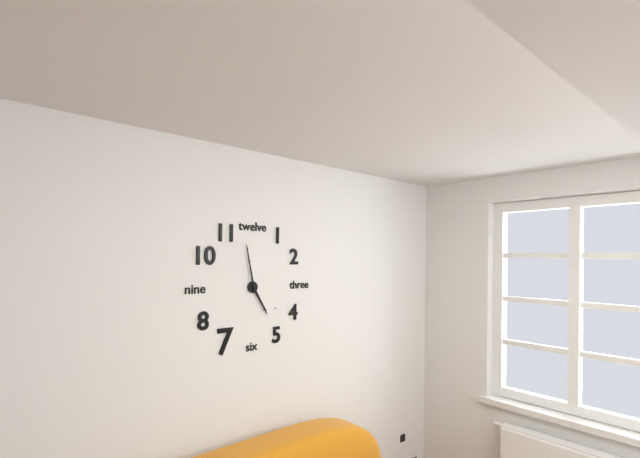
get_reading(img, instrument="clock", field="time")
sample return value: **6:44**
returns **4:58**
